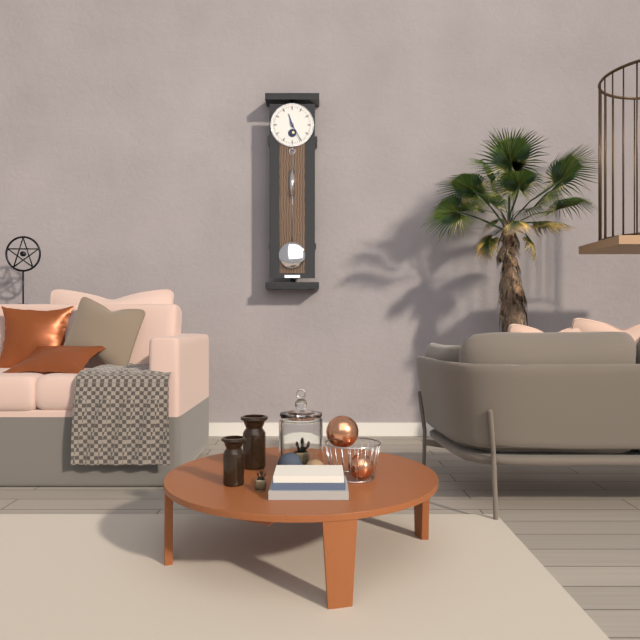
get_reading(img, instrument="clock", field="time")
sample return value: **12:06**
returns **11:25**
